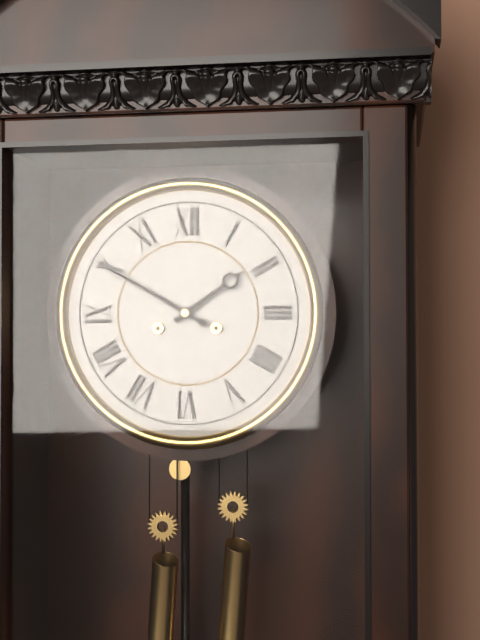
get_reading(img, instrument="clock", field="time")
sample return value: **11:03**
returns **1:50**
